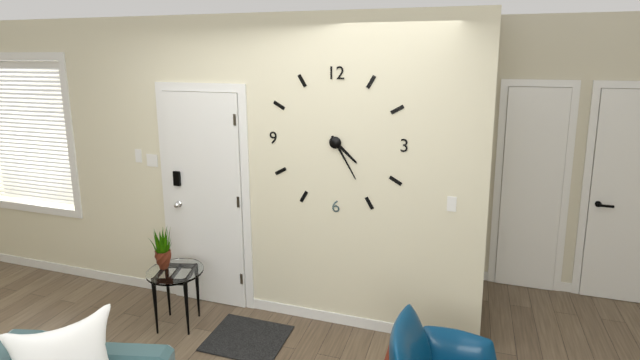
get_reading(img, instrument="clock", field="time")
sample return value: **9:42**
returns **4:25**
